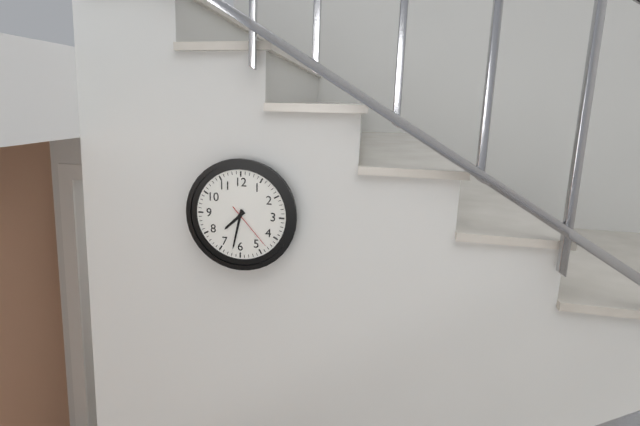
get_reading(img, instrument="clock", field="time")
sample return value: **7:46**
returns **7:32**
